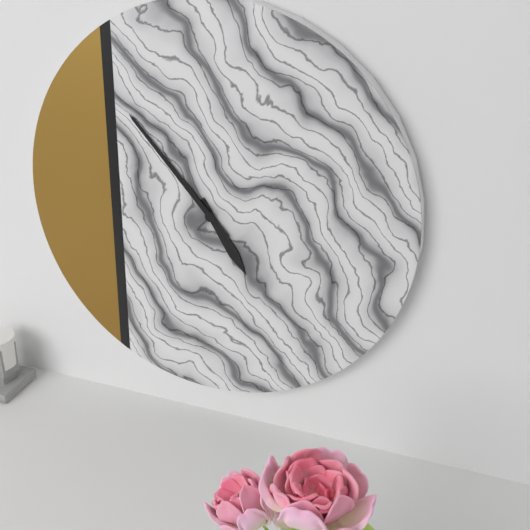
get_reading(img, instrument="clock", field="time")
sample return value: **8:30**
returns **4:53**
